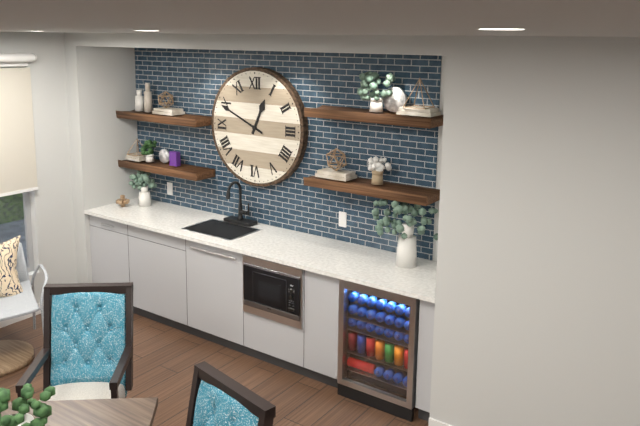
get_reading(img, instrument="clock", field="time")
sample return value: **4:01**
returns **12:49**
